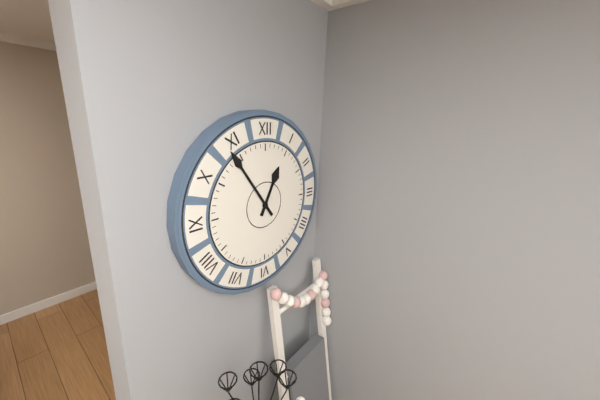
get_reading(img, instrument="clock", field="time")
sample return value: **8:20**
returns **12:54**
